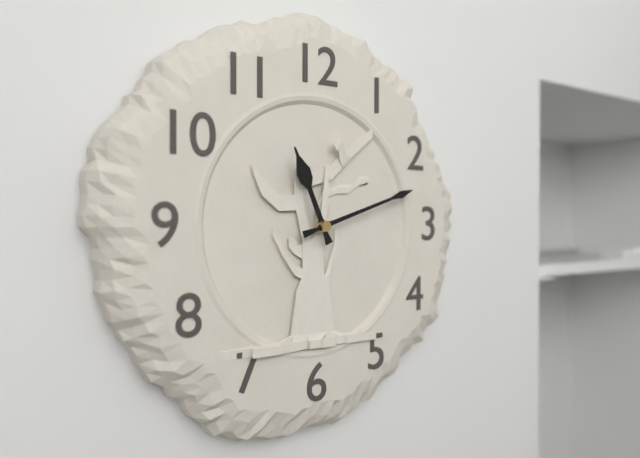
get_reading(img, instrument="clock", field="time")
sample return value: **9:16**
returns **11:12**
